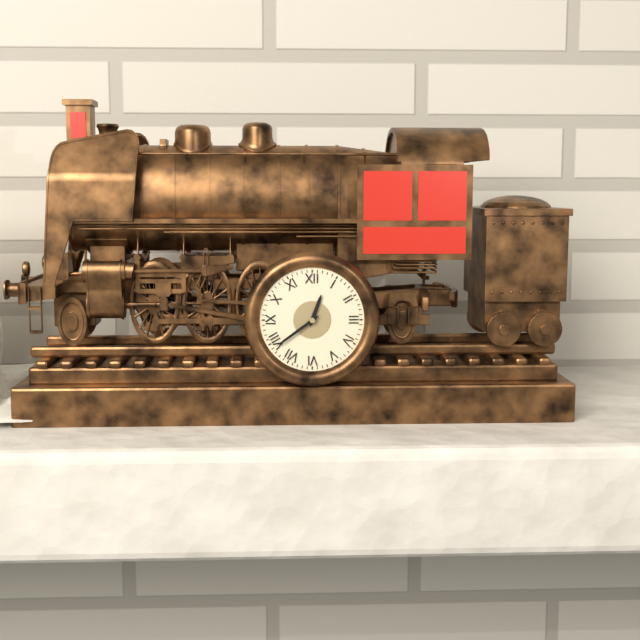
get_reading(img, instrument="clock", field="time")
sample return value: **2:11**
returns **12:39**
